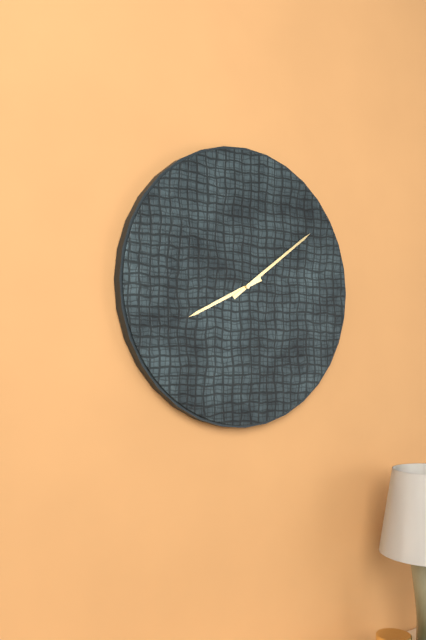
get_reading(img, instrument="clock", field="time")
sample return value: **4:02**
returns **8:09**
